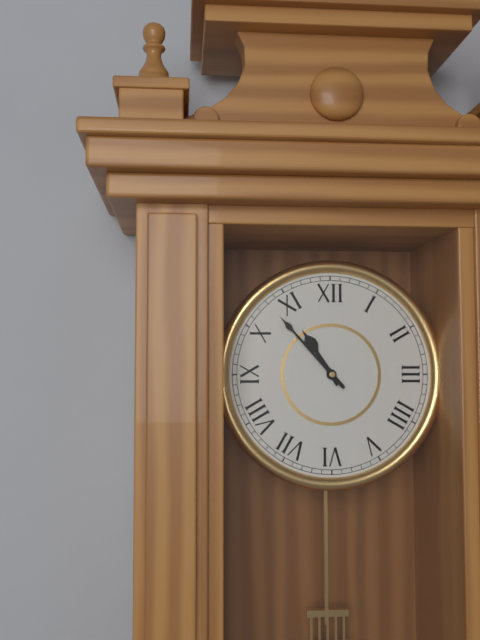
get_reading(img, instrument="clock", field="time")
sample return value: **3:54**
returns **10:53**
